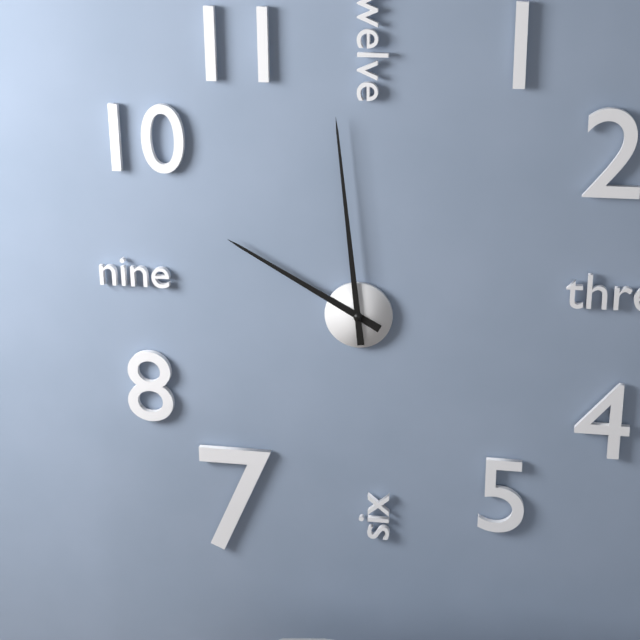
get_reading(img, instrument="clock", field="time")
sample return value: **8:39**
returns **9:59**
